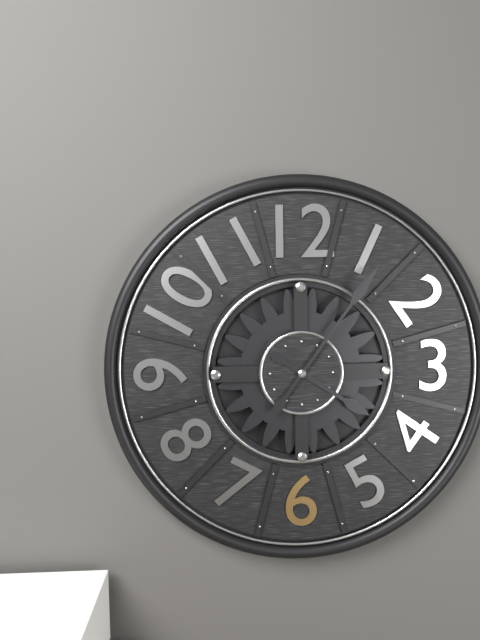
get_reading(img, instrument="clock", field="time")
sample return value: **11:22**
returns **4:06**
